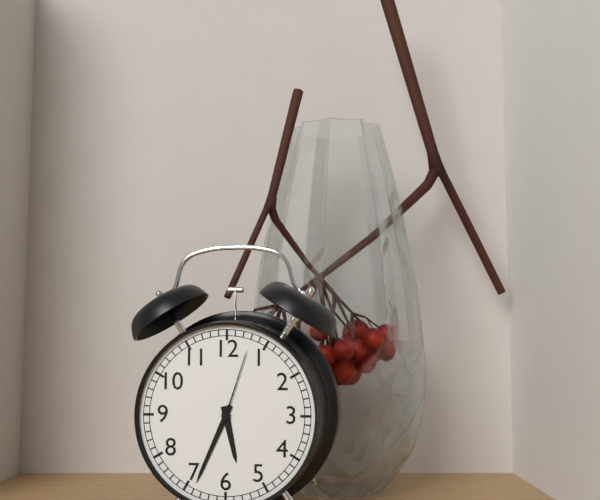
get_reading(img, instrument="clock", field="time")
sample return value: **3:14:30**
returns **5:34:03**
